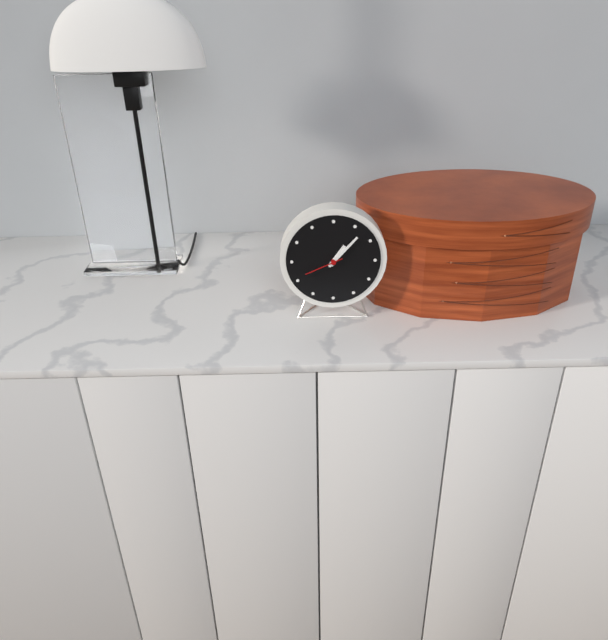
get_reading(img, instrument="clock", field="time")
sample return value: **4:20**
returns **1:07**
